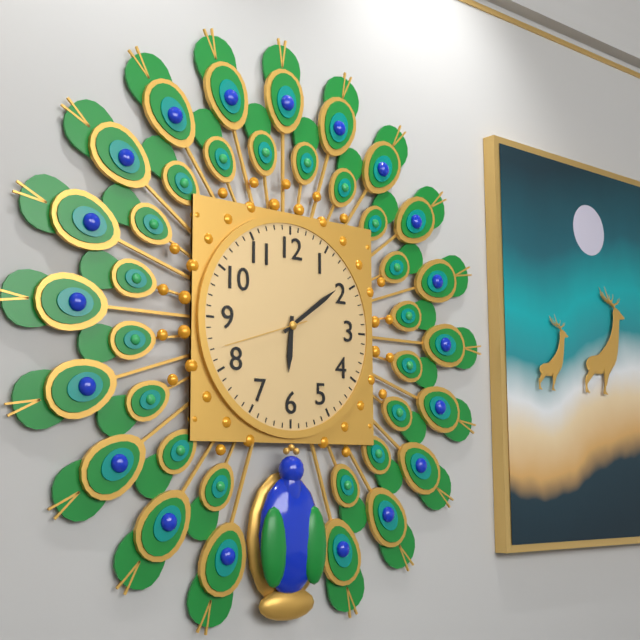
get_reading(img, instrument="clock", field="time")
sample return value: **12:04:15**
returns **6:09:42**
